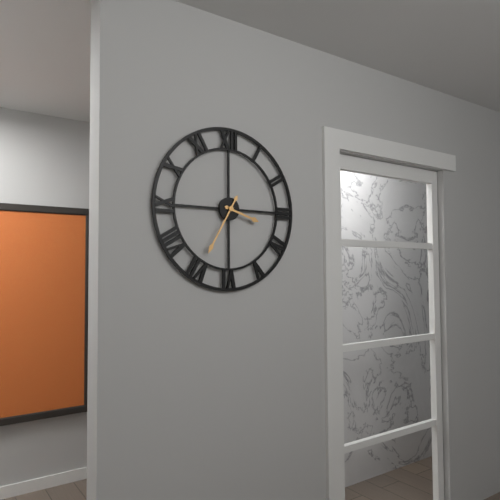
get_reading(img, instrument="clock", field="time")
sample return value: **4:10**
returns **3:35**
